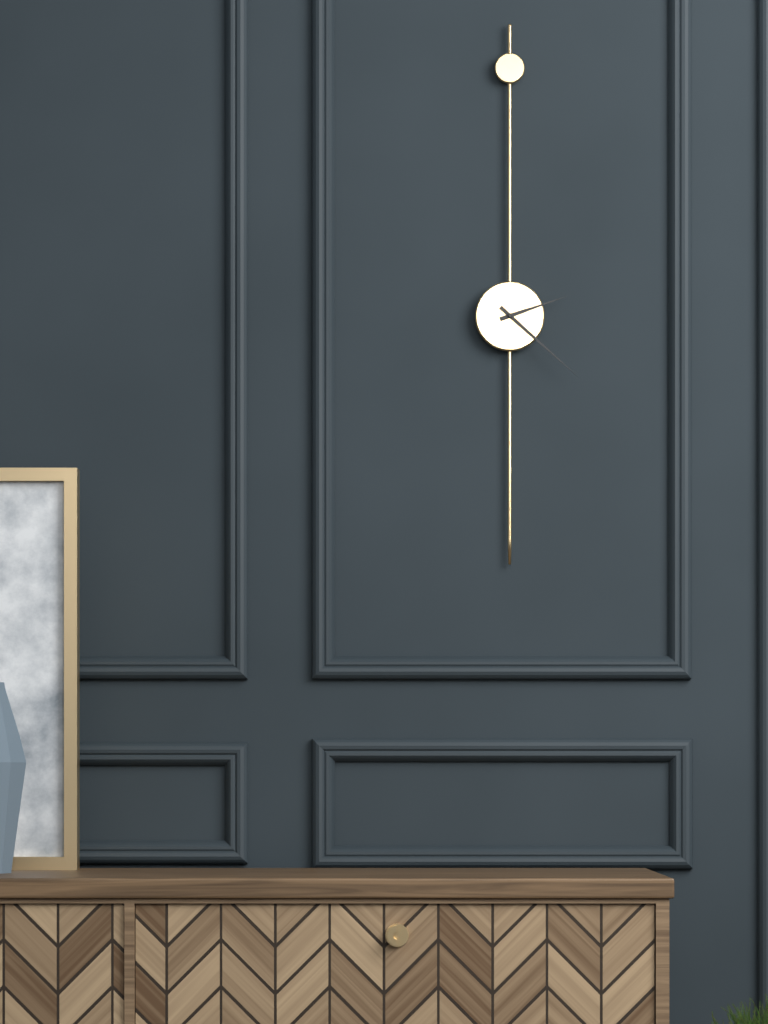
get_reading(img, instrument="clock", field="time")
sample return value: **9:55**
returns **2:22**
